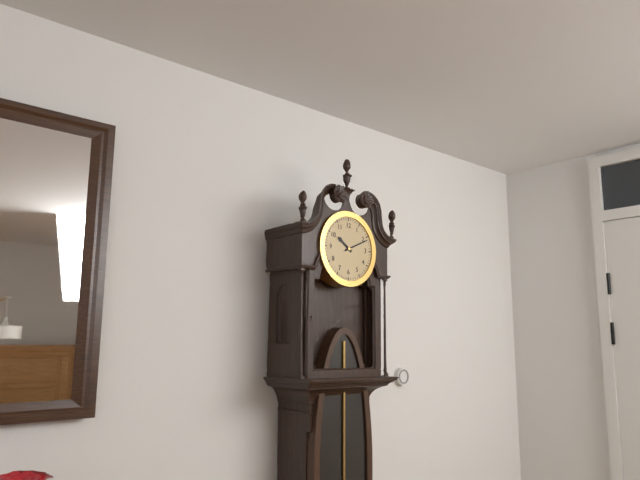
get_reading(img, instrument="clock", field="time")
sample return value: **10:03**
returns **10:11**
